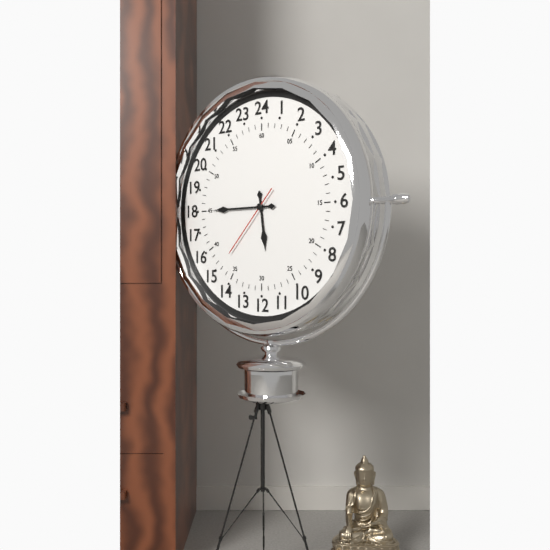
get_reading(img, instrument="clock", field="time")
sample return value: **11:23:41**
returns **5:45:37**
